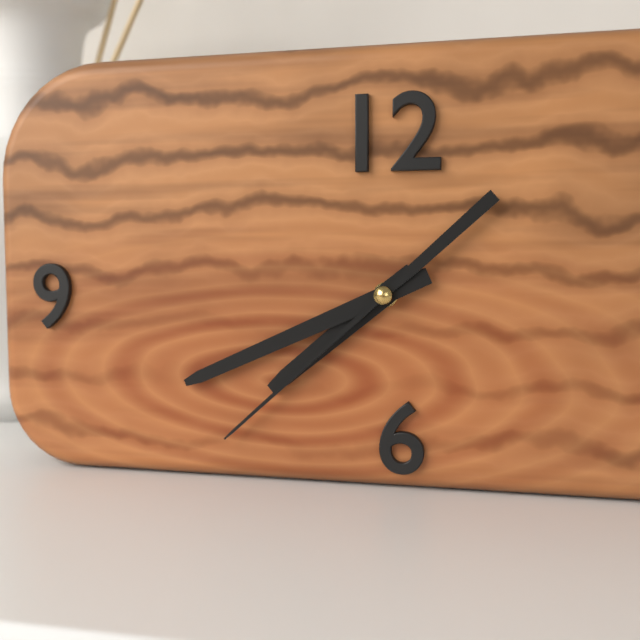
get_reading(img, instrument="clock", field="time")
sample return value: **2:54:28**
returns **7:41:38**
